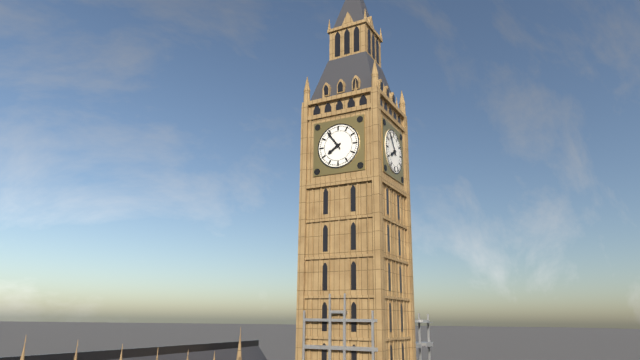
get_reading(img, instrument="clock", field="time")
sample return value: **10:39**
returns **7:54**
